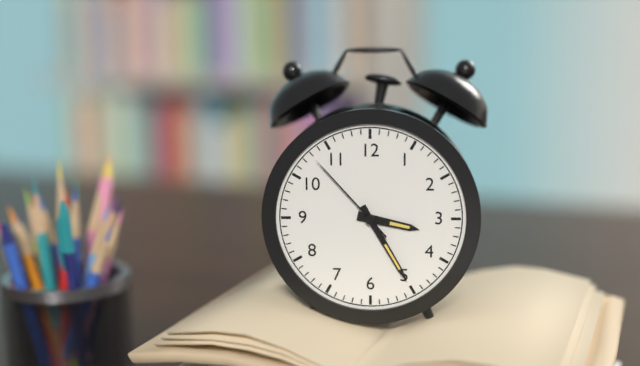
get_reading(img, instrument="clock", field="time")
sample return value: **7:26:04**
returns **3:25:53**
